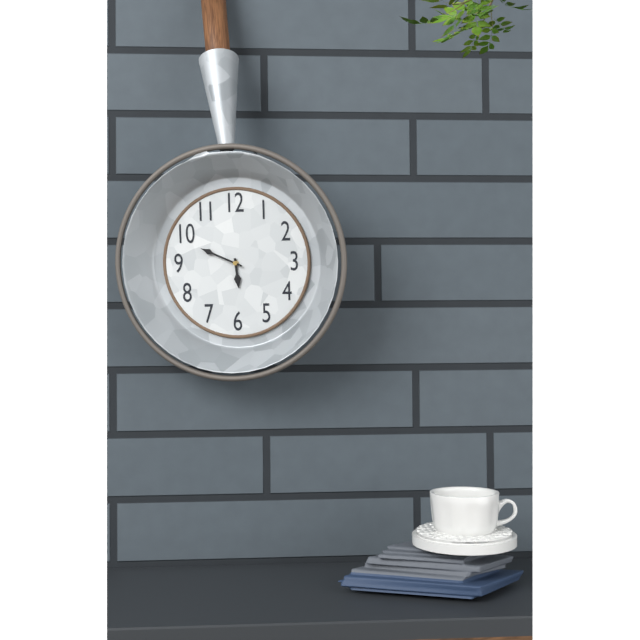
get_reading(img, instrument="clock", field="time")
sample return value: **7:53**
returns **5:49**
